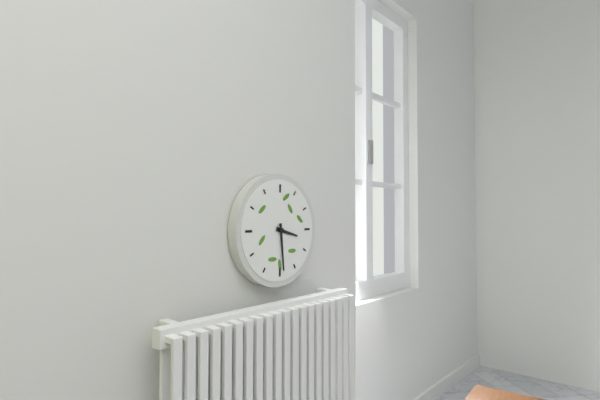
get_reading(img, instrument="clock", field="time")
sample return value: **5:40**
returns **3:29**
